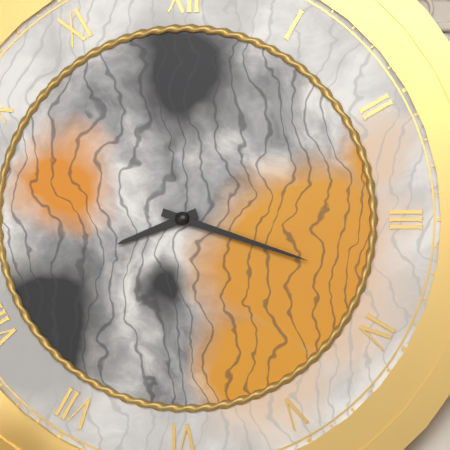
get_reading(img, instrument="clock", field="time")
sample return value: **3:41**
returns **8:18**
